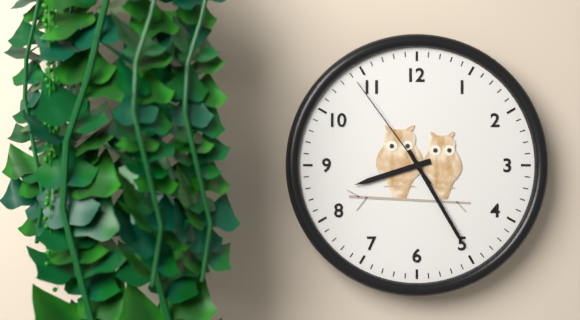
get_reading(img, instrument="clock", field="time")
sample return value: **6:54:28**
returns **8:25:54**
